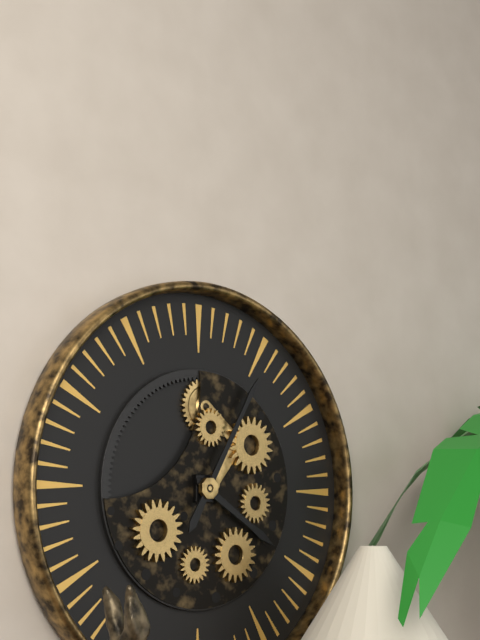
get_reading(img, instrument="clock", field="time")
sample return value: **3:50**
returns **4:05**
